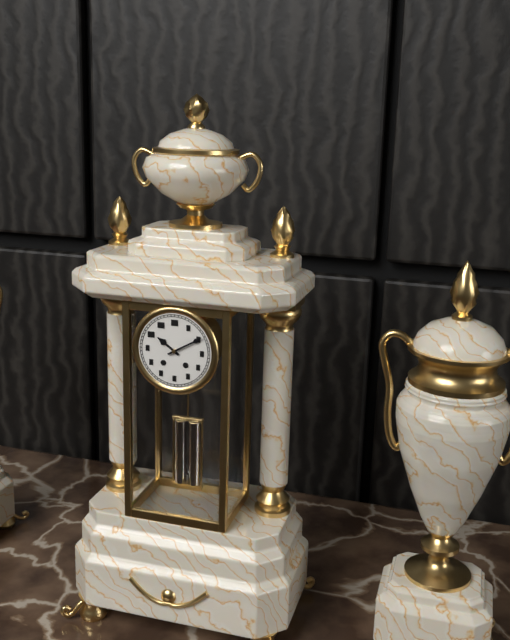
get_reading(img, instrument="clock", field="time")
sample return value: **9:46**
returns **10:10**
